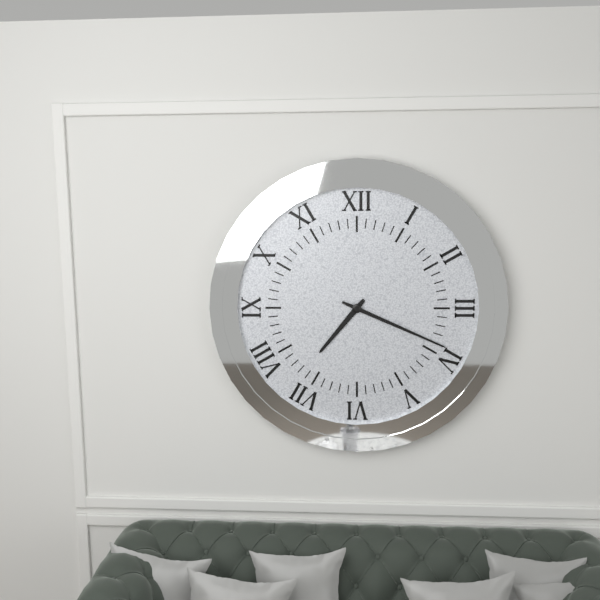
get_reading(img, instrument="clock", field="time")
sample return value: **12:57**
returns **7:19**
